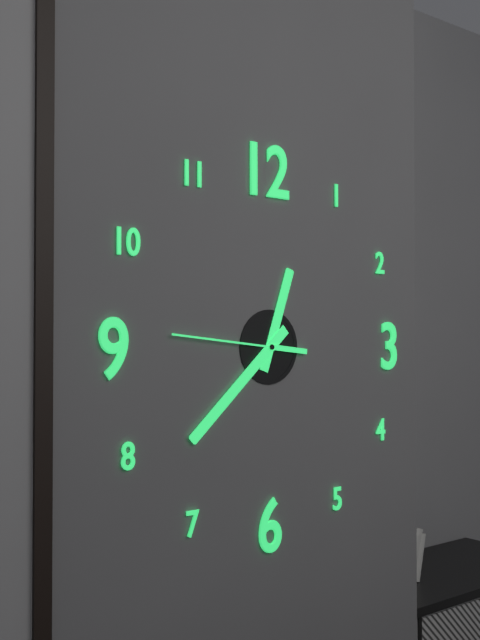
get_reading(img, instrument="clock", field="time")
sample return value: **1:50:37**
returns **12:38:46**
